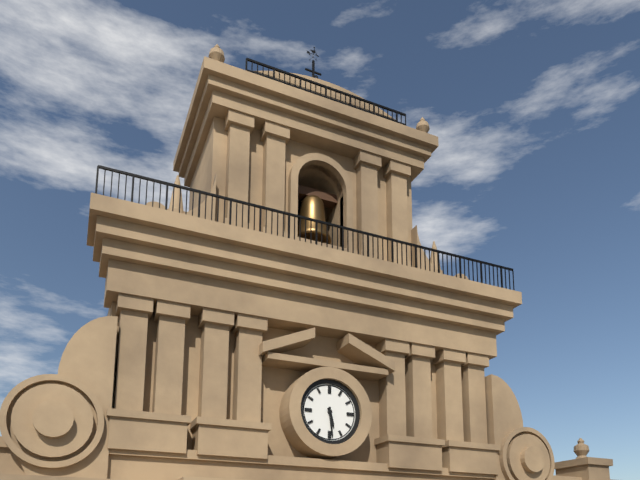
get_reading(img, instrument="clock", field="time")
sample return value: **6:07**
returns **5:29**
